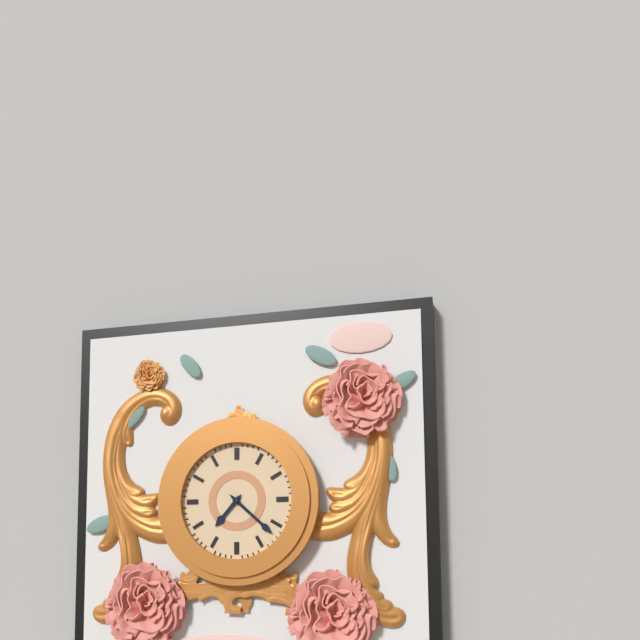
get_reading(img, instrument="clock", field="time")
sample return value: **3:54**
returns **7:22**
